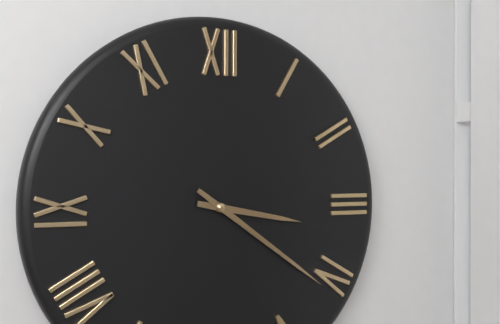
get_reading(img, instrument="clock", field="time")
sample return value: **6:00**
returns **3:21**
